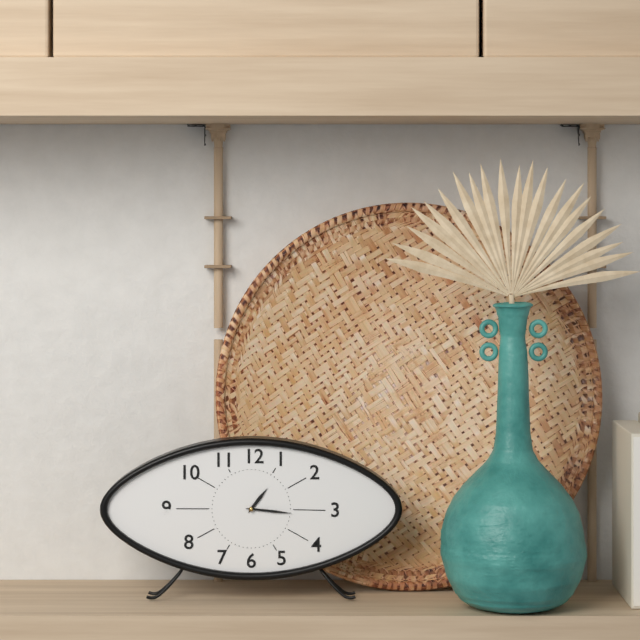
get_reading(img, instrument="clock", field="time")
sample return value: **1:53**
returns **1:16**
